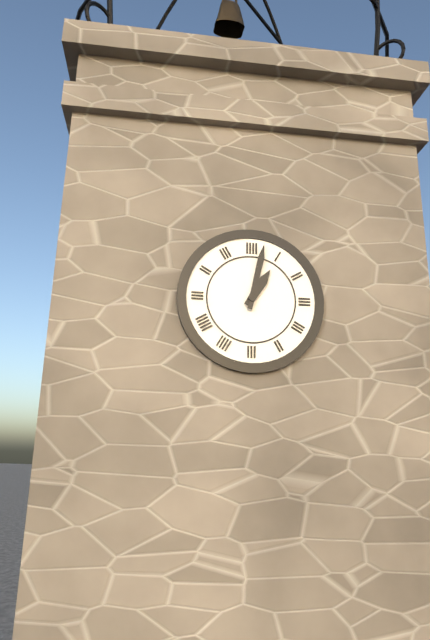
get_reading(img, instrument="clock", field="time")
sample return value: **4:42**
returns **1:02**
